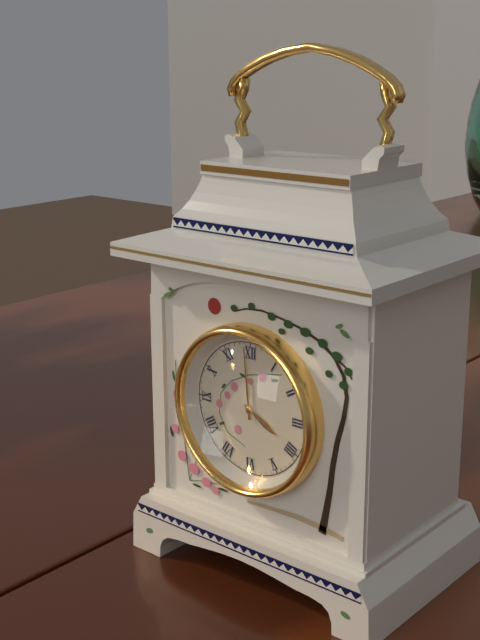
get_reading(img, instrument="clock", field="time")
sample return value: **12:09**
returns **3:59**
